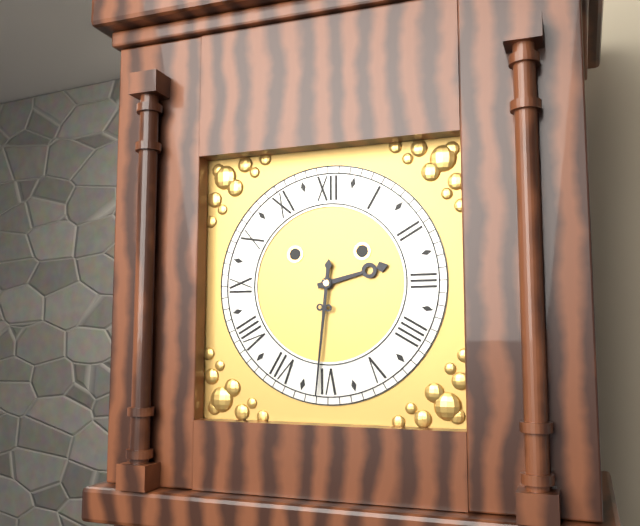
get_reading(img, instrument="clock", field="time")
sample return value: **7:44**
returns **2:31**
